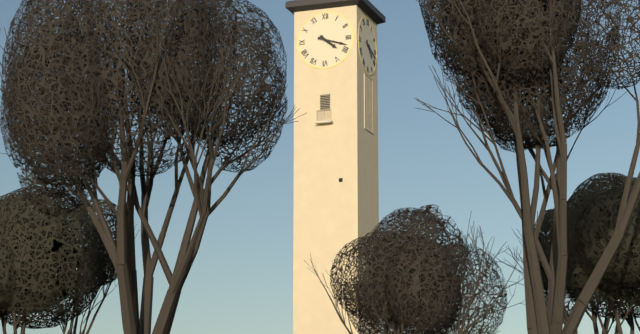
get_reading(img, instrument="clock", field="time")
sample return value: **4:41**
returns **4:18**
